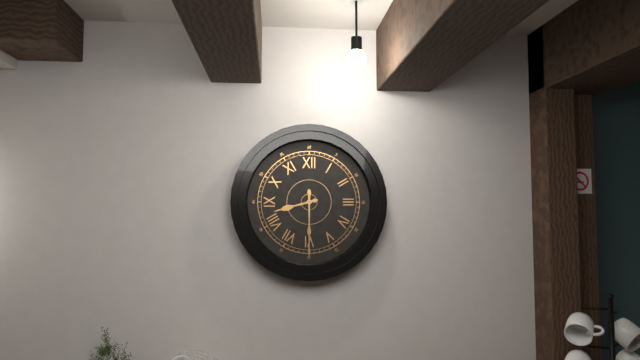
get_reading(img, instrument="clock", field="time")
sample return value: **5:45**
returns **8:30**
